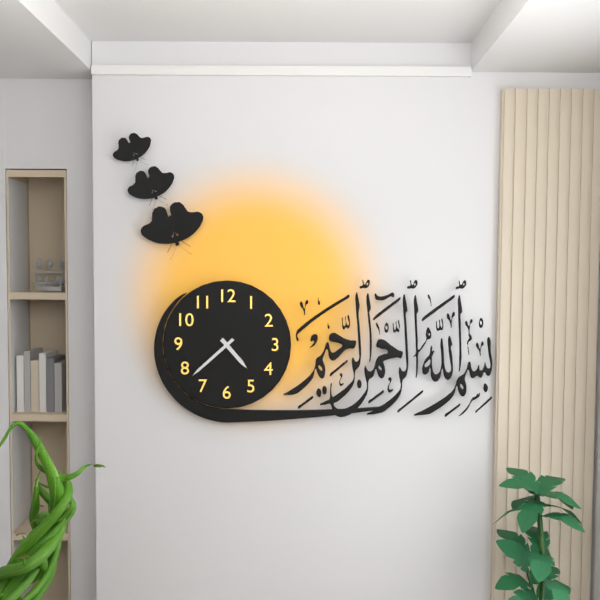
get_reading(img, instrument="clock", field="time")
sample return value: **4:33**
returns **4:38**
